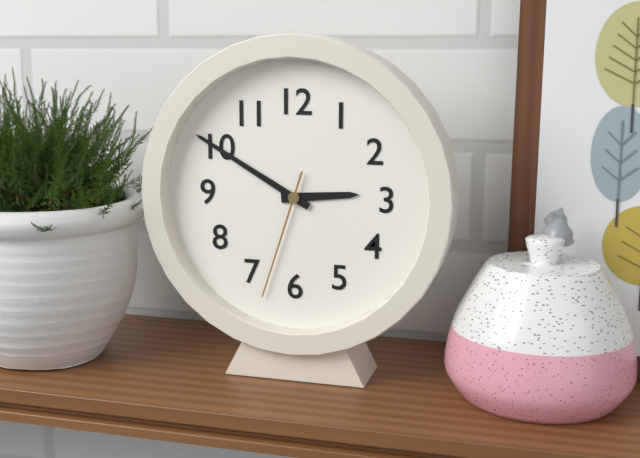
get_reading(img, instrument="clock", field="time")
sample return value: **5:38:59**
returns **2:50:33**
